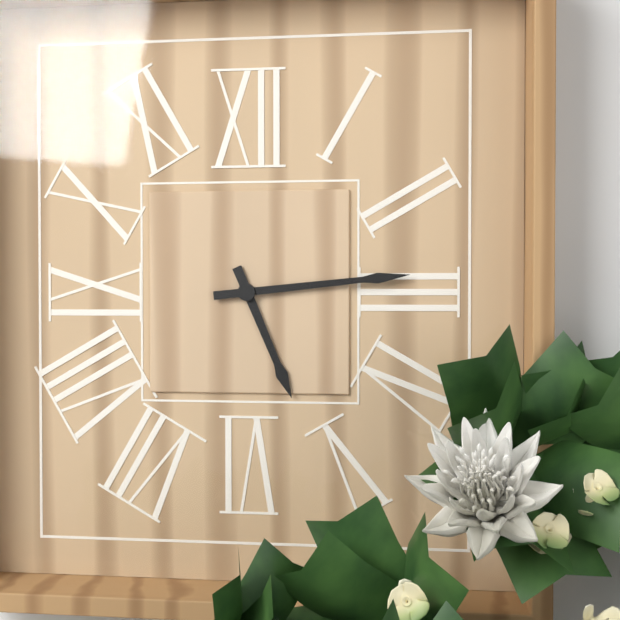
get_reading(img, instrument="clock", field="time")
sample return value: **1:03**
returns **5:14**
